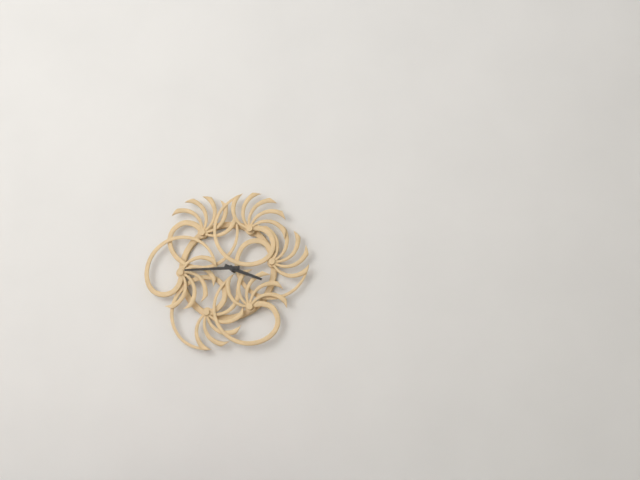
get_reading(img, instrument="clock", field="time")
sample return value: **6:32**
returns **3:45**
